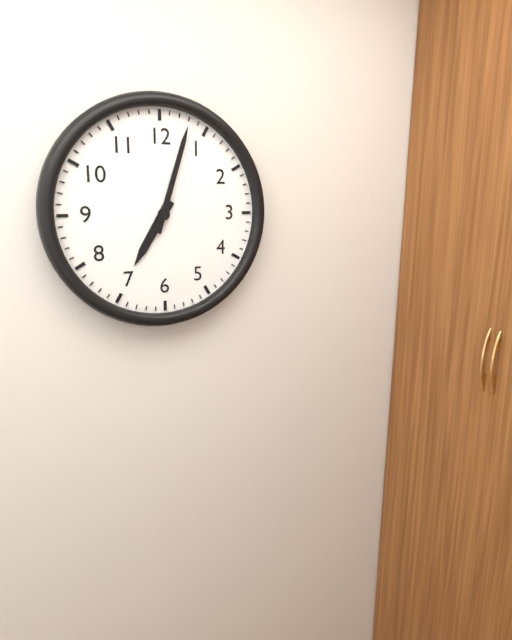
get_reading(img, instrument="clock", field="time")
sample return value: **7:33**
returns **7:03**
